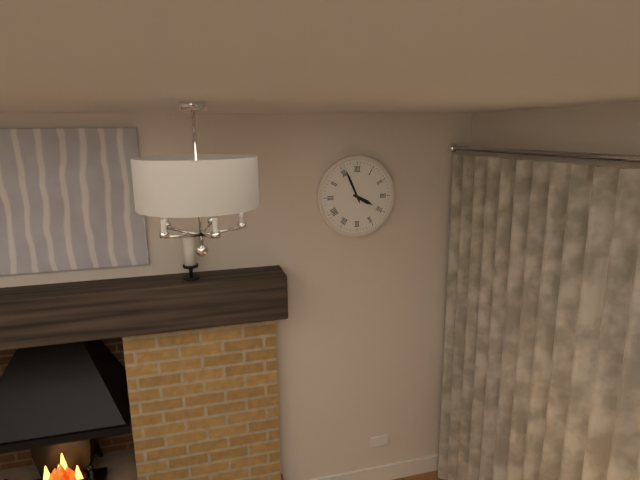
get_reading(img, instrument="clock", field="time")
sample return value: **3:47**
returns **3:56**
